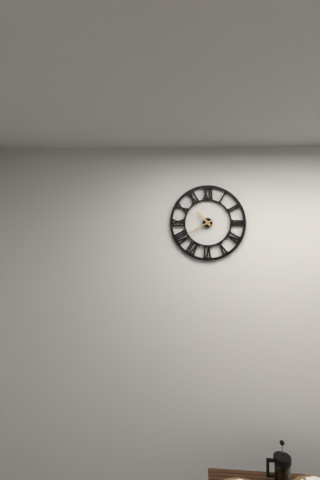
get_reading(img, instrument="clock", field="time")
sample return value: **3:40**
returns **10:40**
